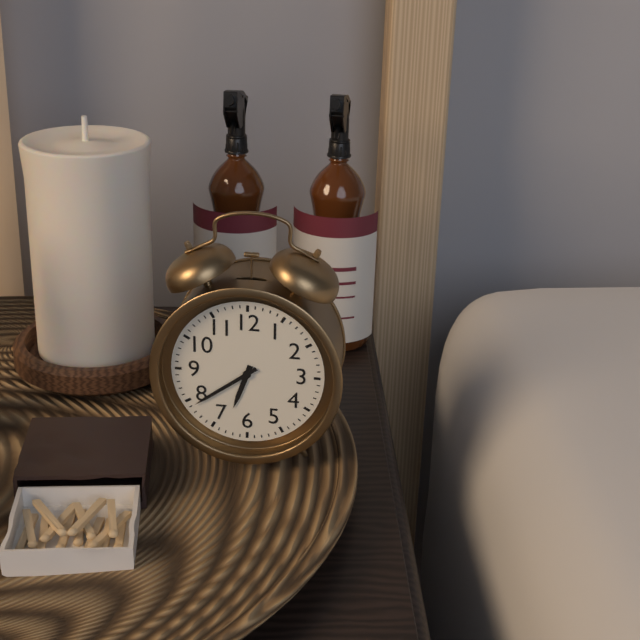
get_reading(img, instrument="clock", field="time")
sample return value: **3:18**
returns **6:39**
